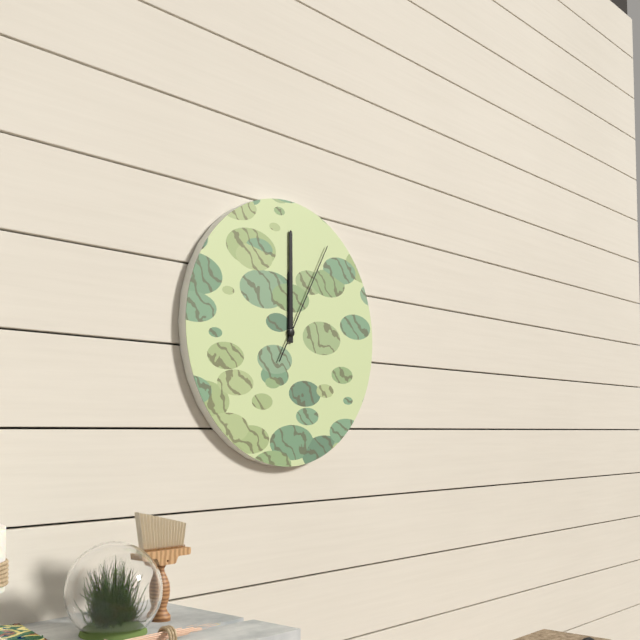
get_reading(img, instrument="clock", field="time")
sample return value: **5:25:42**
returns **12:00:05**
